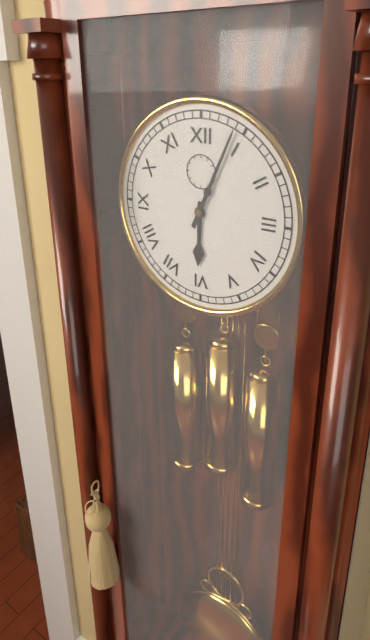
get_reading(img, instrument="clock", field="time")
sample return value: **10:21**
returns **6:04**
